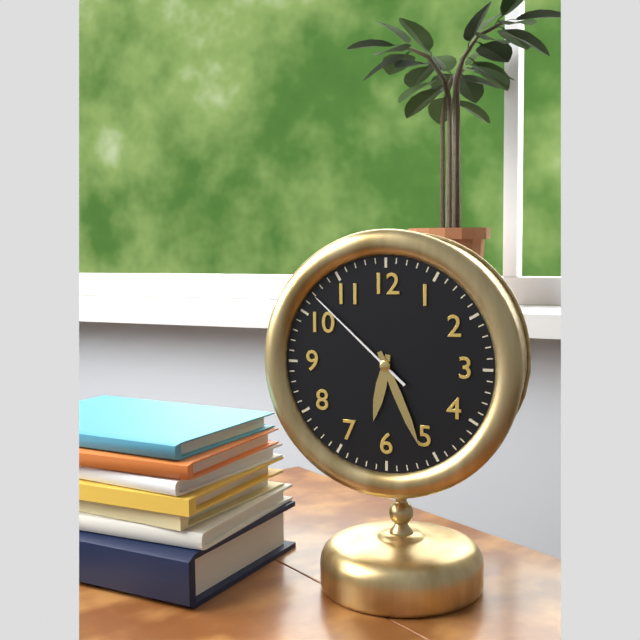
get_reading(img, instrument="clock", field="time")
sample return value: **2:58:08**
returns **6:26:52**
